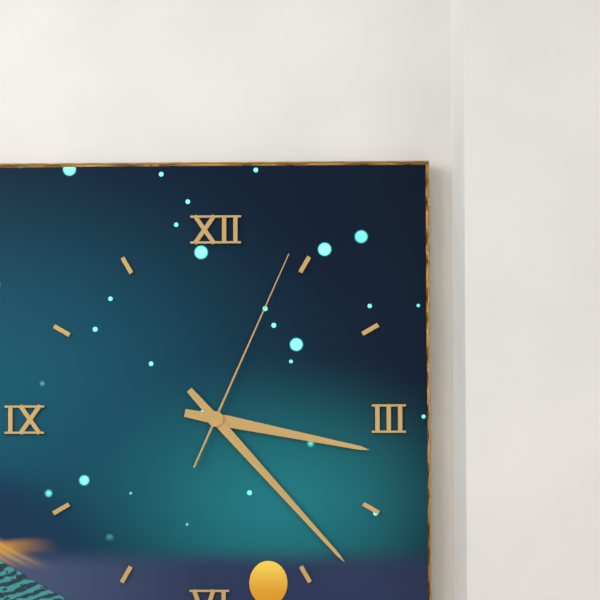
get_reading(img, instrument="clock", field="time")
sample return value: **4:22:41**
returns **3:23:04**
